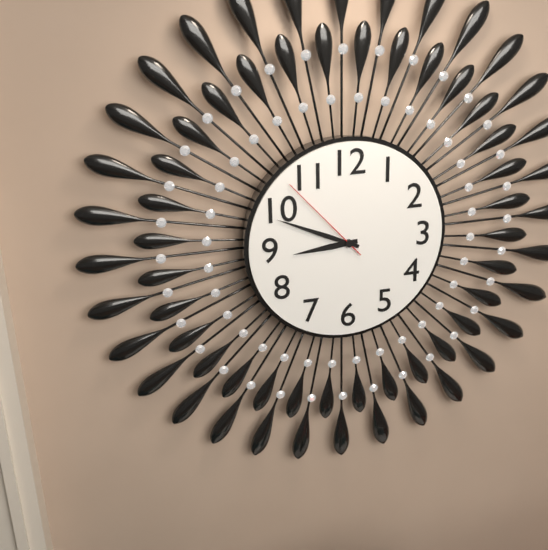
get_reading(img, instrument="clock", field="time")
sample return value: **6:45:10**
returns **8:49:53**
